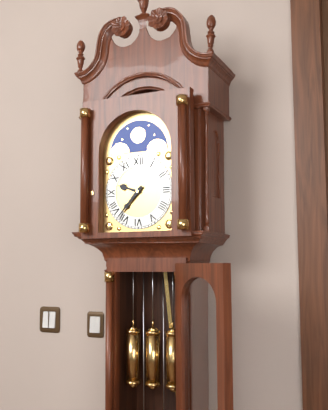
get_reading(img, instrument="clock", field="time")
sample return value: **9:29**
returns **9:37**
